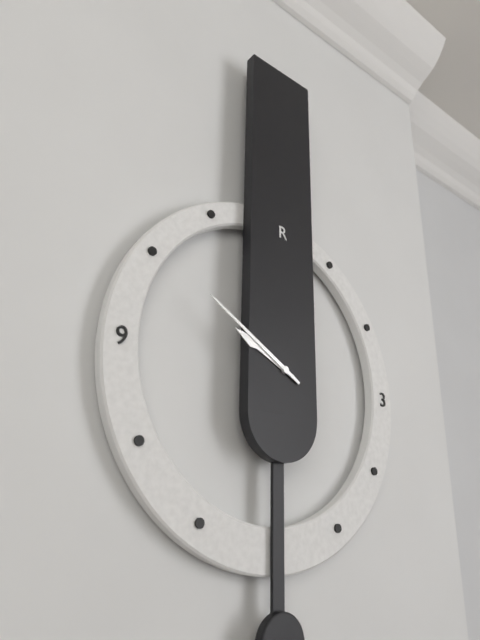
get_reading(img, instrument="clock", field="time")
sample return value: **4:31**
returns **9:50**
